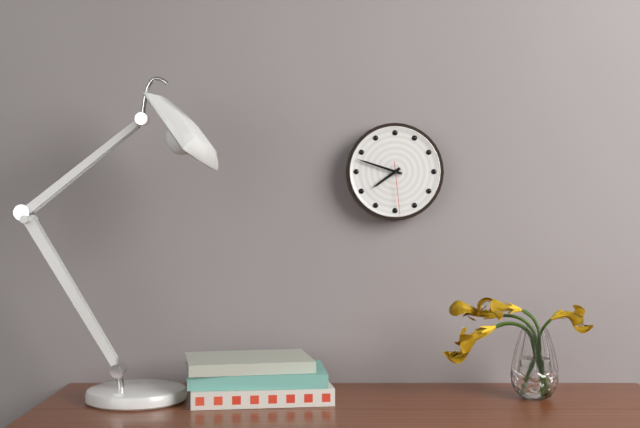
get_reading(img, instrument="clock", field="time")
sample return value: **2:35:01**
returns **7:48:29**
